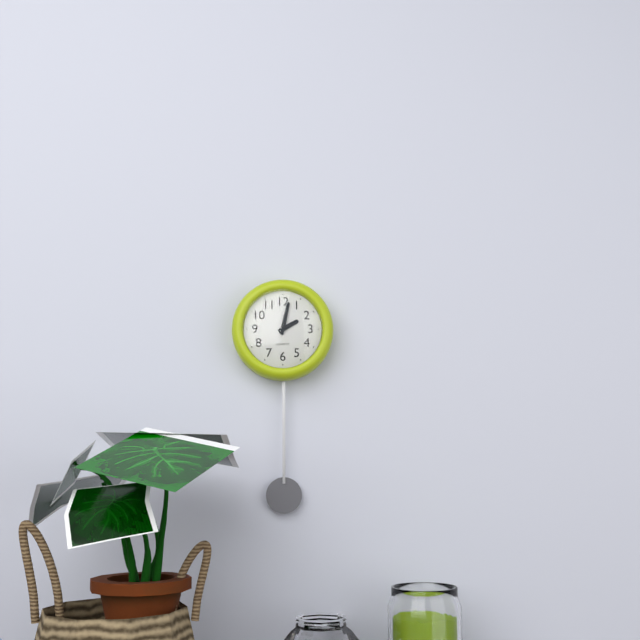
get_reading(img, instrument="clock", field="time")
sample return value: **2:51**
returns **2:02**
